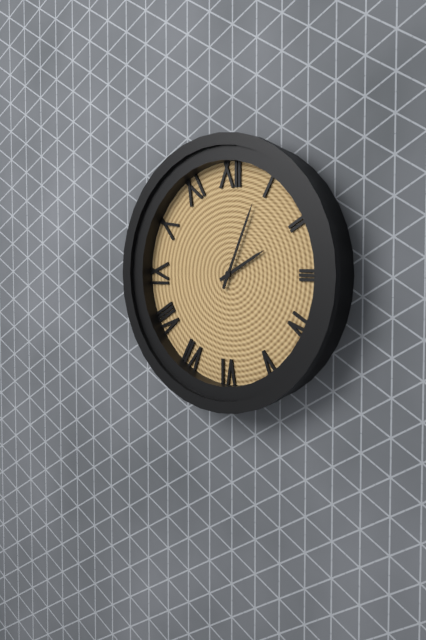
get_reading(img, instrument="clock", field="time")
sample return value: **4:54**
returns **2:04**
